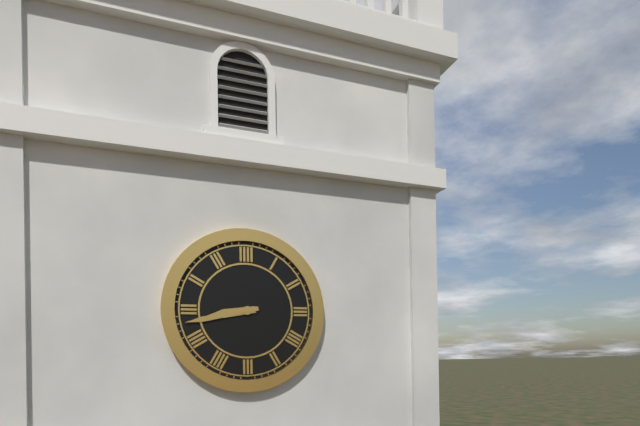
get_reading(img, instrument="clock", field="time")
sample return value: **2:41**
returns **8:43**
